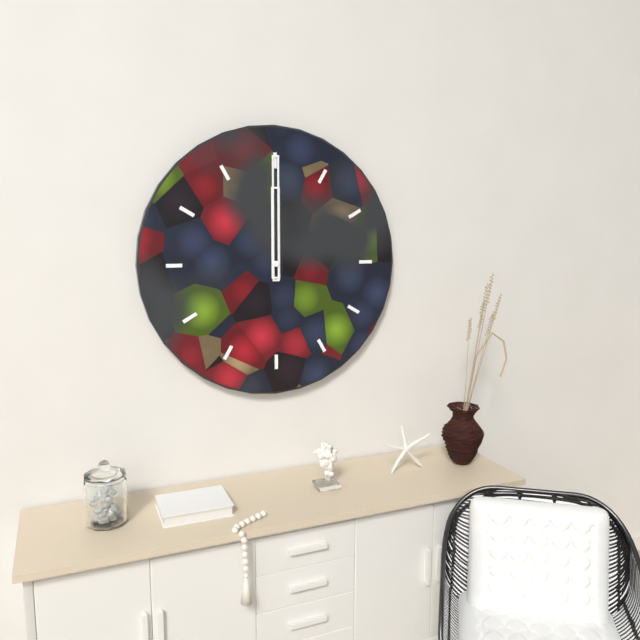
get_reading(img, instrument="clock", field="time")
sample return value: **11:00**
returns **12:00**
